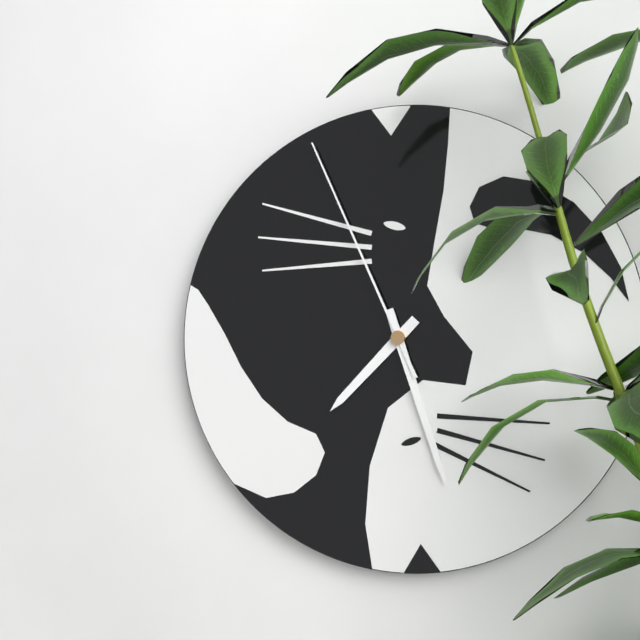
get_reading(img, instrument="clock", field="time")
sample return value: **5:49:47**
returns **7:27:56**
